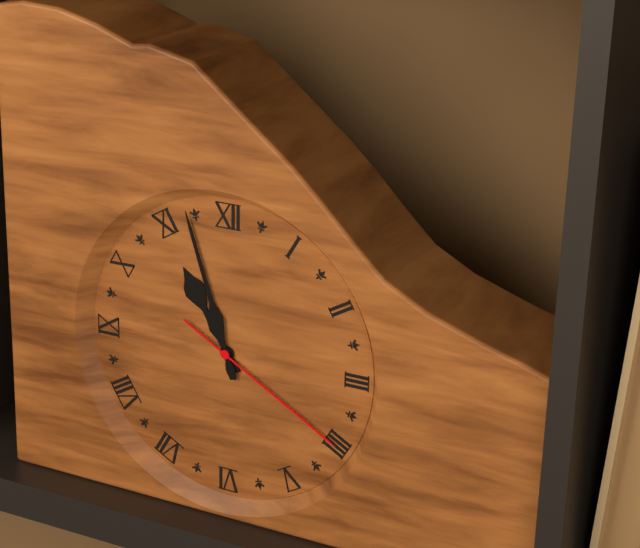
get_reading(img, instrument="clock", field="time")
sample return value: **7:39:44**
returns **10:57:20**
